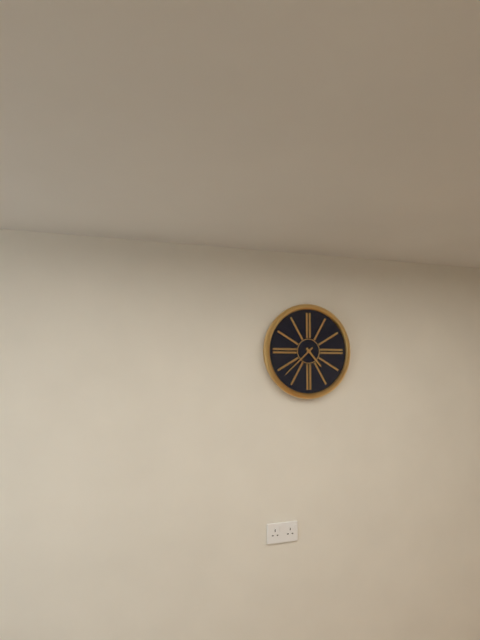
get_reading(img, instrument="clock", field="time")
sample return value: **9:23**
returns **4:38**
